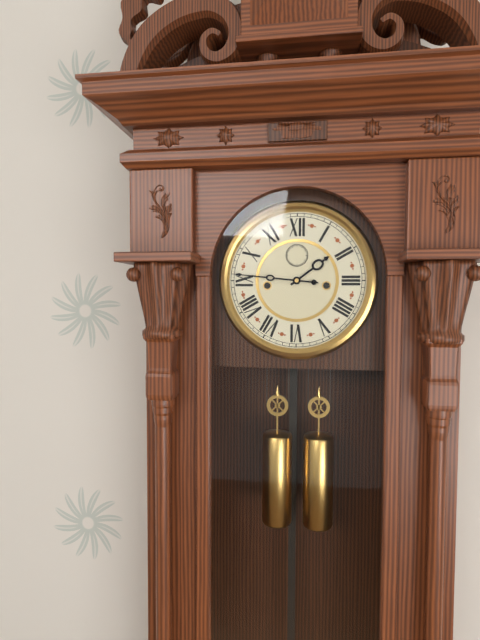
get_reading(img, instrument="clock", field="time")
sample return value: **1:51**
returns **1:46**
